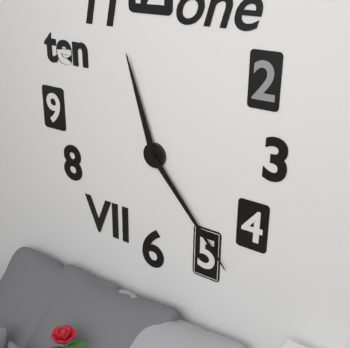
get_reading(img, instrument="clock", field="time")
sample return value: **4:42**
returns **11:23**
